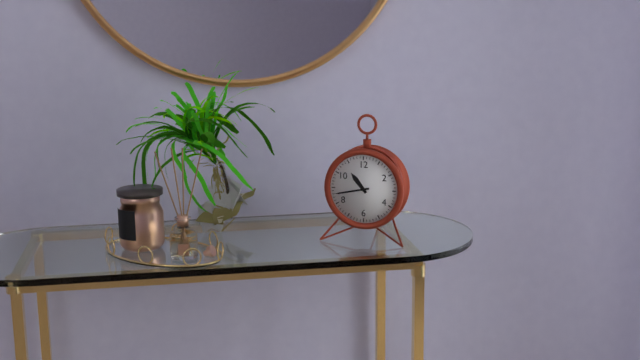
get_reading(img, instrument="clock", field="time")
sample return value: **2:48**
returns **10:43**
